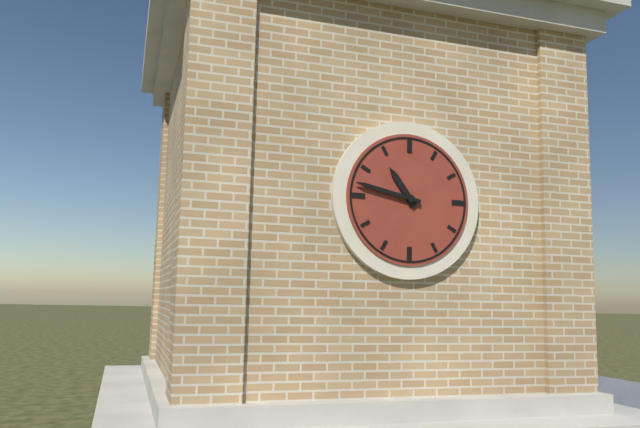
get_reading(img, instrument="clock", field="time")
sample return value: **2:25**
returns **10:47**
